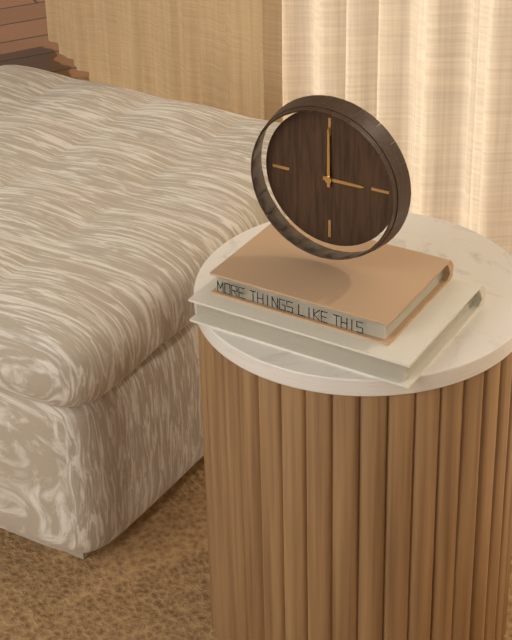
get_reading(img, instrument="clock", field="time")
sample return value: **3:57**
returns **3:00**
